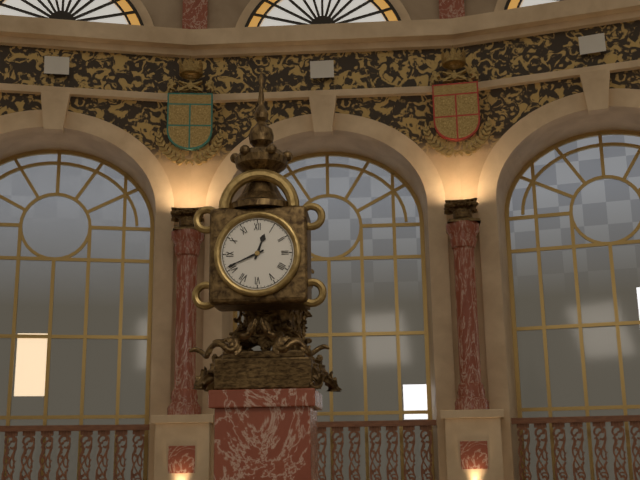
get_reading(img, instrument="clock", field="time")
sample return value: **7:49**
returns **12:41**
